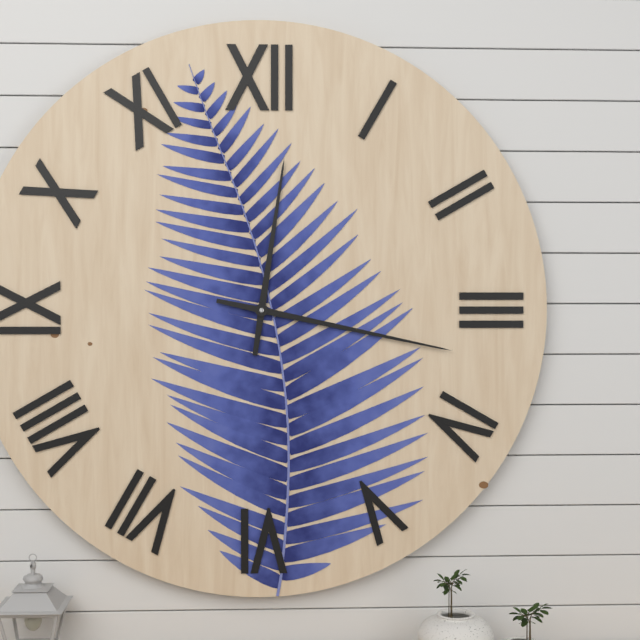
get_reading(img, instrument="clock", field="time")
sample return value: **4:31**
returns **12:17**
